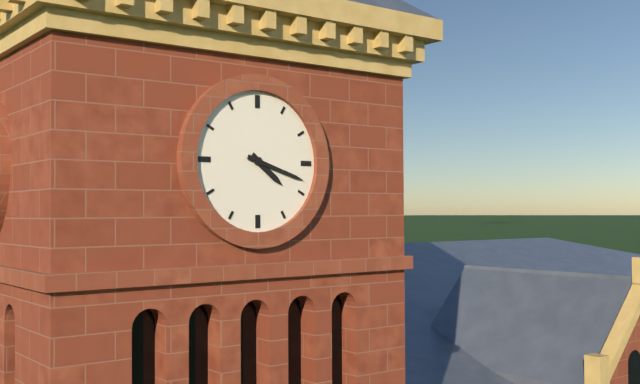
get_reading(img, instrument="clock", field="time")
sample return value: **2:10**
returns **4:18**
